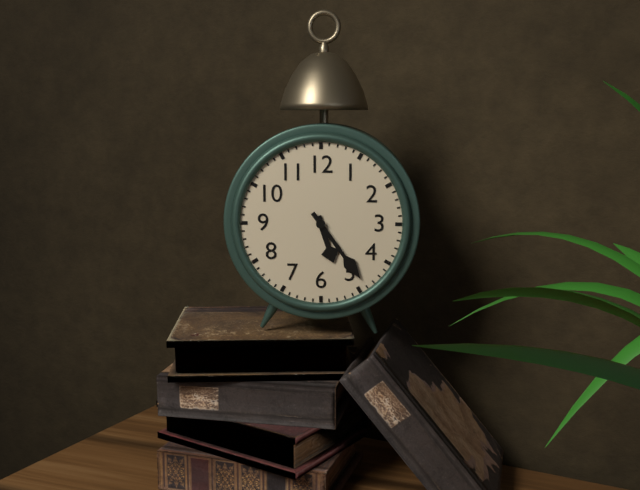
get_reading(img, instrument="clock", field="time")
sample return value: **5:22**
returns **5:24**
